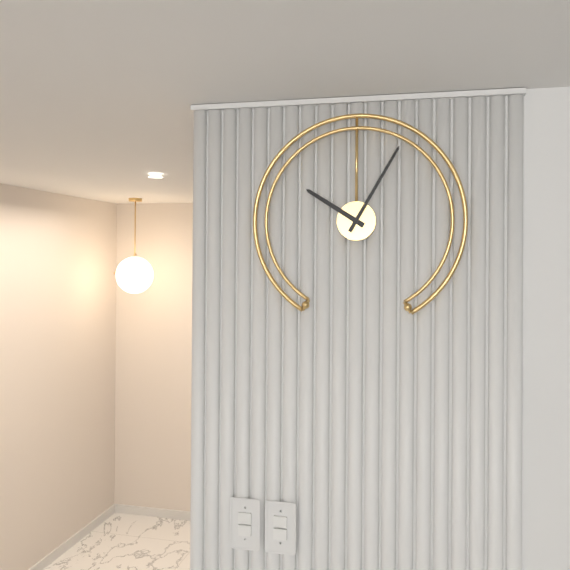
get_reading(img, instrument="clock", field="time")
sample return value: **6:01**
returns **10:05**
